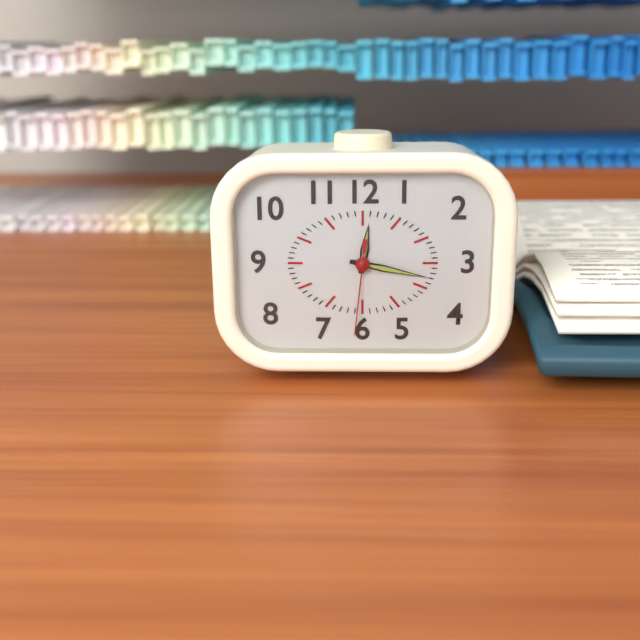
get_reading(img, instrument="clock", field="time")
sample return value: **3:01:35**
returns **12:17:31**
